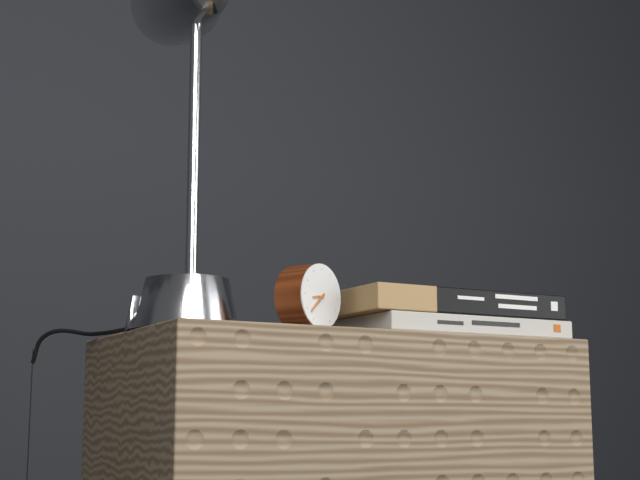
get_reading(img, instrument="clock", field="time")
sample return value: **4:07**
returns **8:38**
